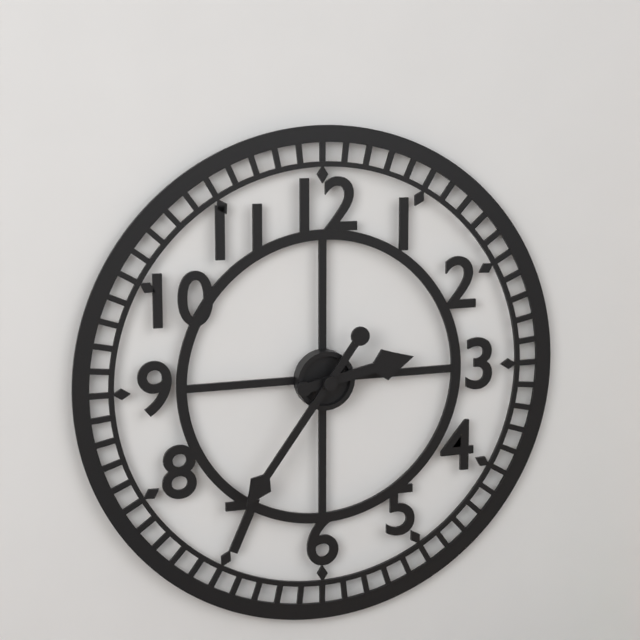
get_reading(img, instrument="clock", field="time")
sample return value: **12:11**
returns **2:36**
